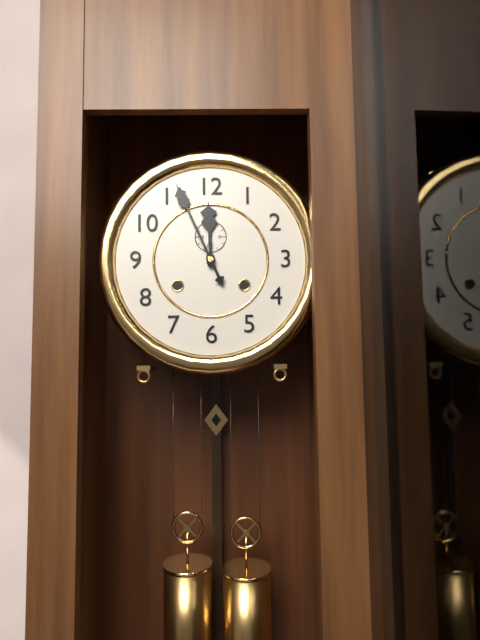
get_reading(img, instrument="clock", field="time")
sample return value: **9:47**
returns **11:56**
